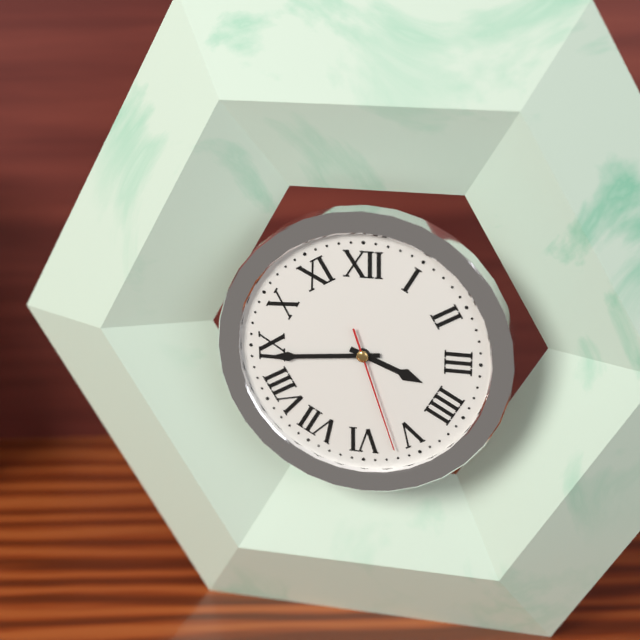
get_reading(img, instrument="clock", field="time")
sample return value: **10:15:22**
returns **3:44:27**
